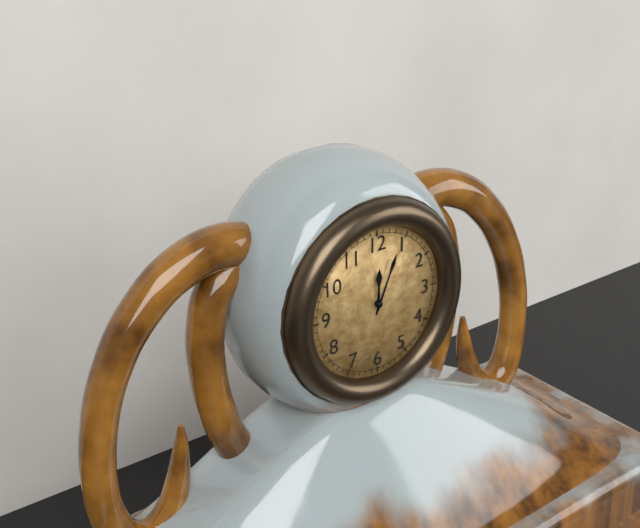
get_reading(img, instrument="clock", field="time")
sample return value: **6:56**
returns **12:04**
